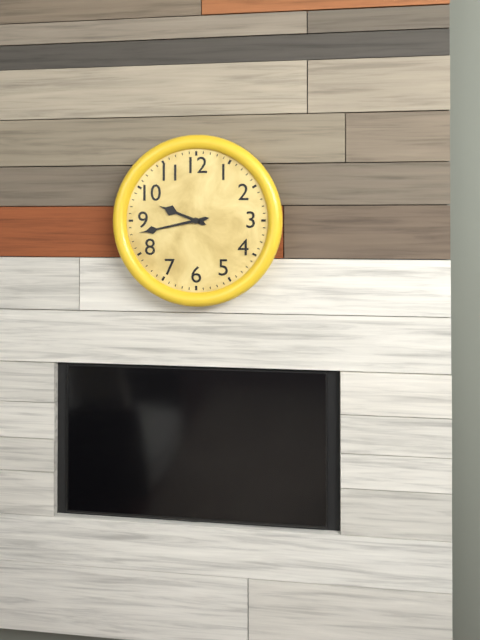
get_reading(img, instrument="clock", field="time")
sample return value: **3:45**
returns **9:43**
